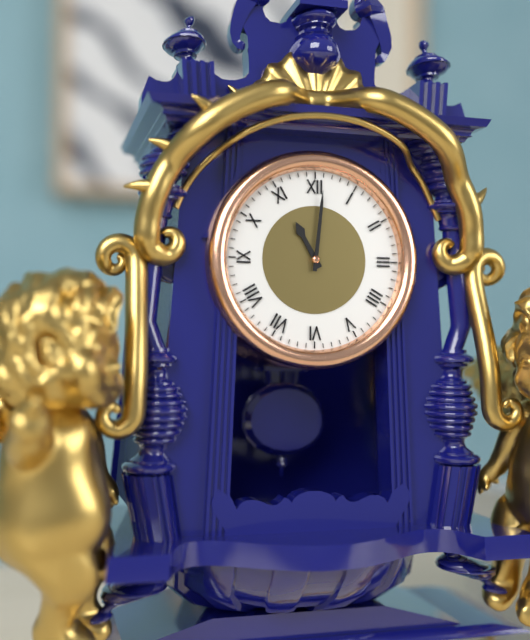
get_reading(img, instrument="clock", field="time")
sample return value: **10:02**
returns **11:01**
